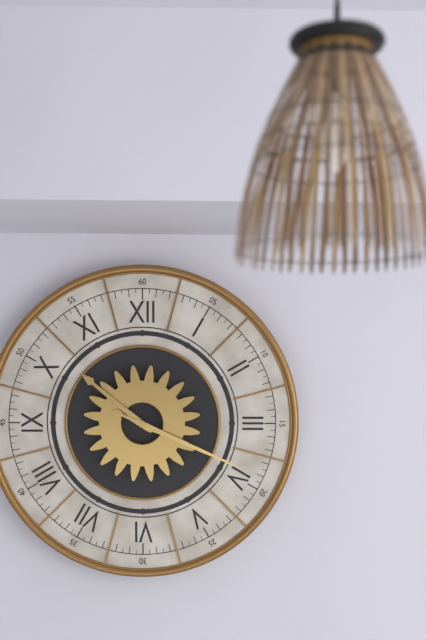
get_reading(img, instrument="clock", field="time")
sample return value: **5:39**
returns **10:19**
